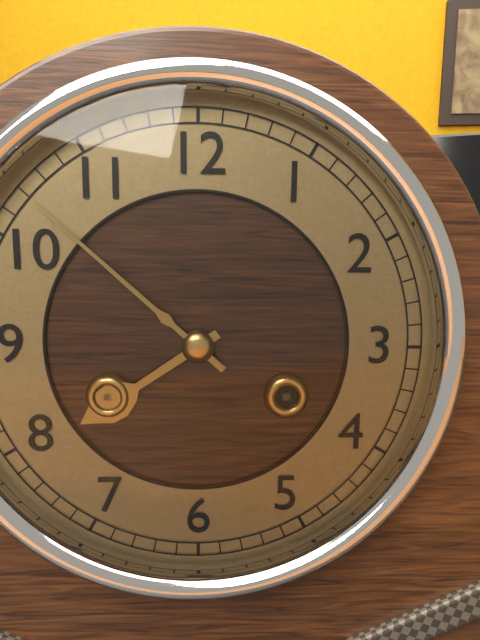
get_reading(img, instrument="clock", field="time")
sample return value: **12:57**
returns **7:52**
